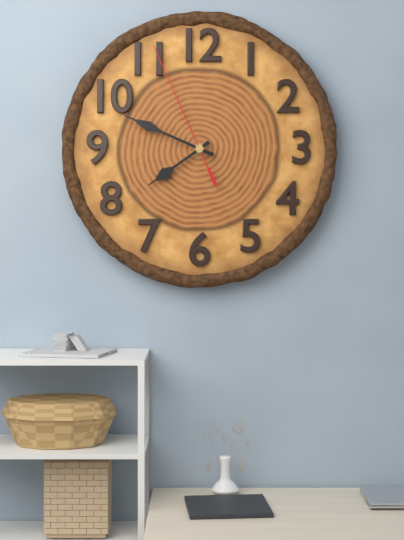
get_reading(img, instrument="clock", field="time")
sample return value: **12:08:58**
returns **7:49:56**
